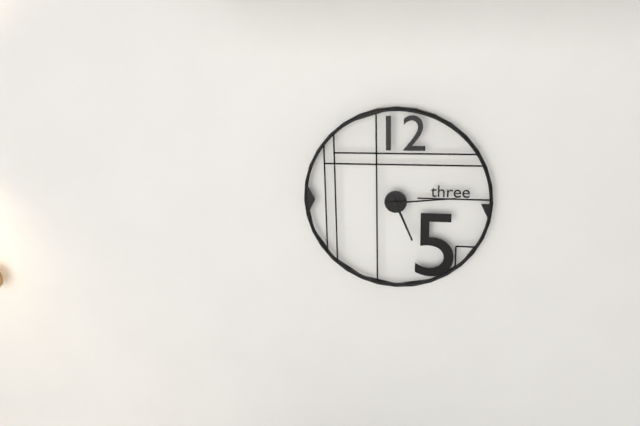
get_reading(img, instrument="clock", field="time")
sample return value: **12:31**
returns **5:14**
